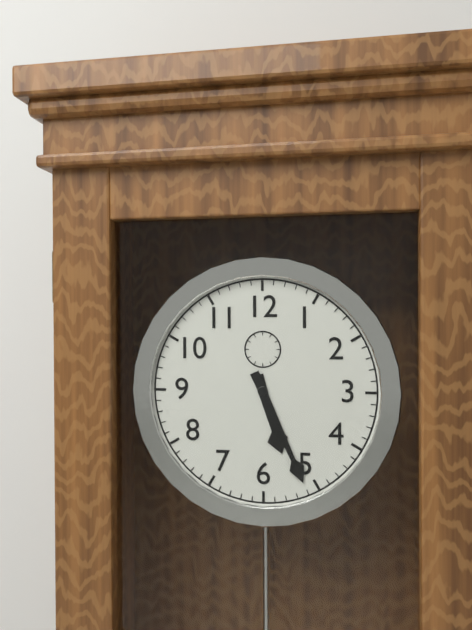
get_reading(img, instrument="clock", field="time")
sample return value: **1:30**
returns **5:26**
